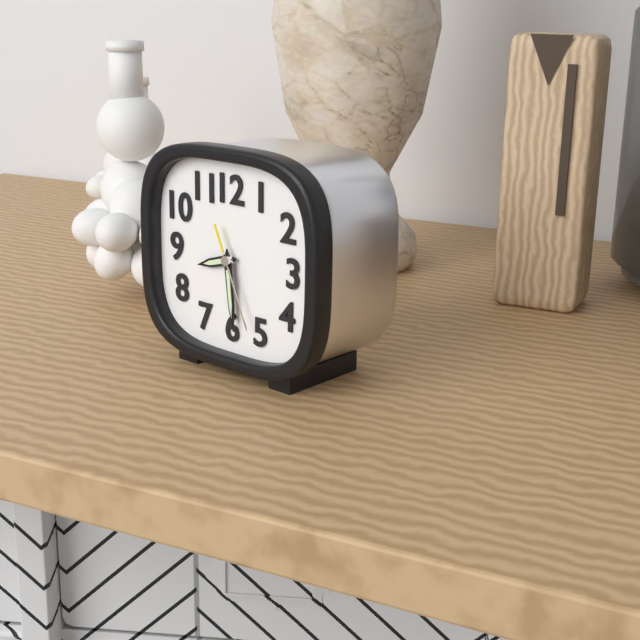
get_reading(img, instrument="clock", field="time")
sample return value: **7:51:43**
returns **8:29:26**
